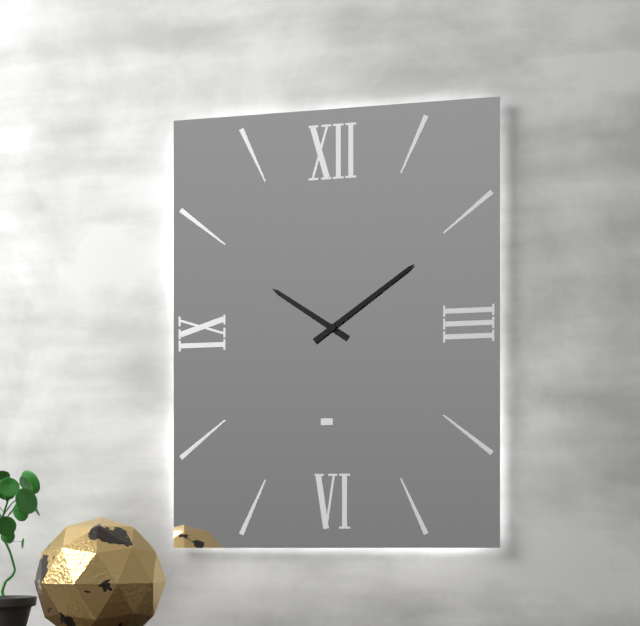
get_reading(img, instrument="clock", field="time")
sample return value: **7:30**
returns **10:09**
